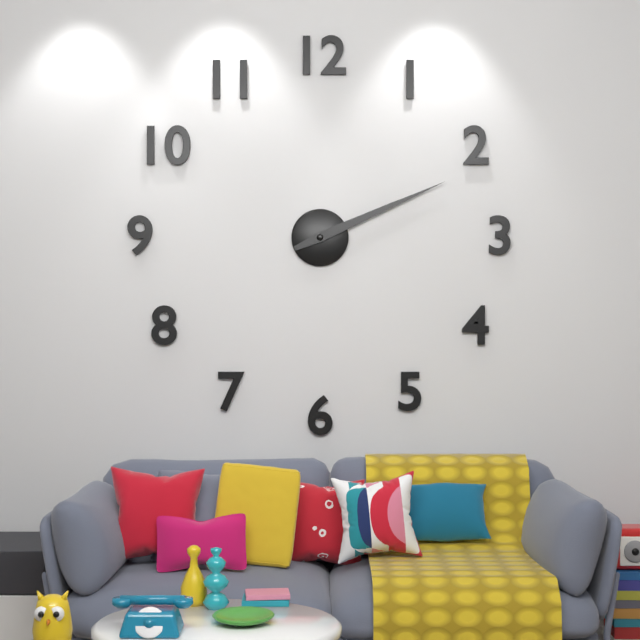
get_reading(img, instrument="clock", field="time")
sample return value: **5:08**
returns **2:11**
